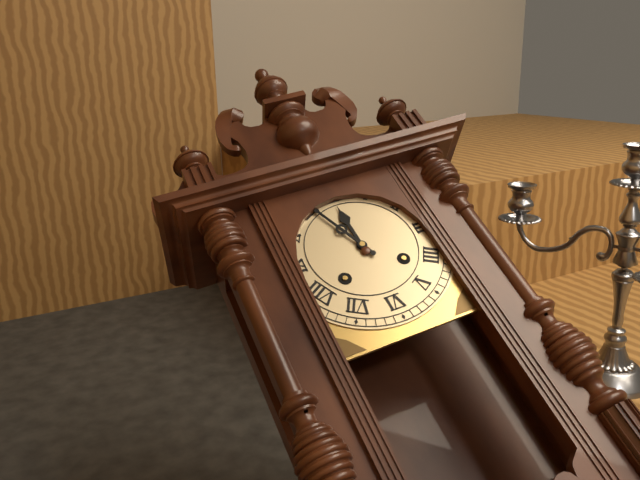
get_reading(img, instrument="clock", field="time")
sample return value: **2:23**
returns **11:56**
